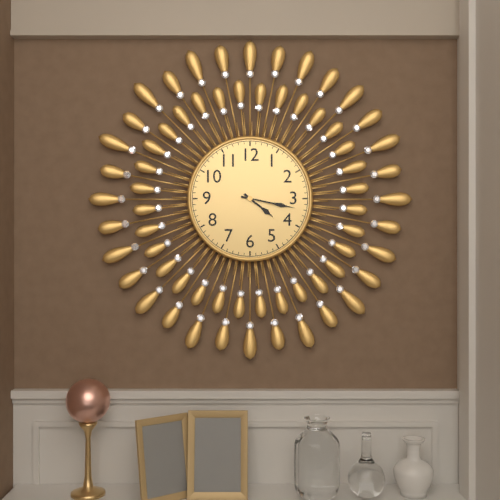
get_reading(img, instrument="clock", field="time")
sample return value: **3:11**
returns **4:17**
